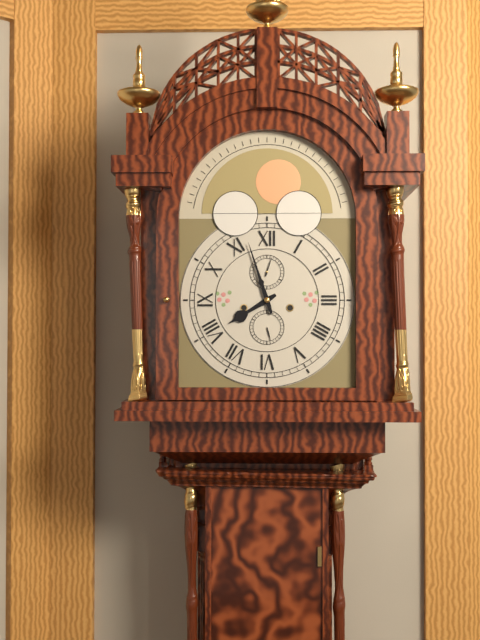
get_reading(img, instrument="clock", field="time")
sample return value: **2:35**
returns **7:57**
